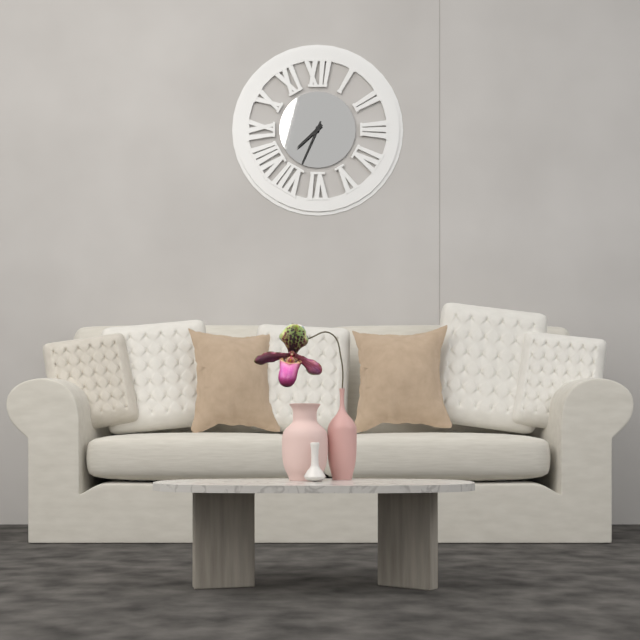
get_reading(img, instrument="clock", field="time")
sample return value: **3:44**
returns **7:34**
